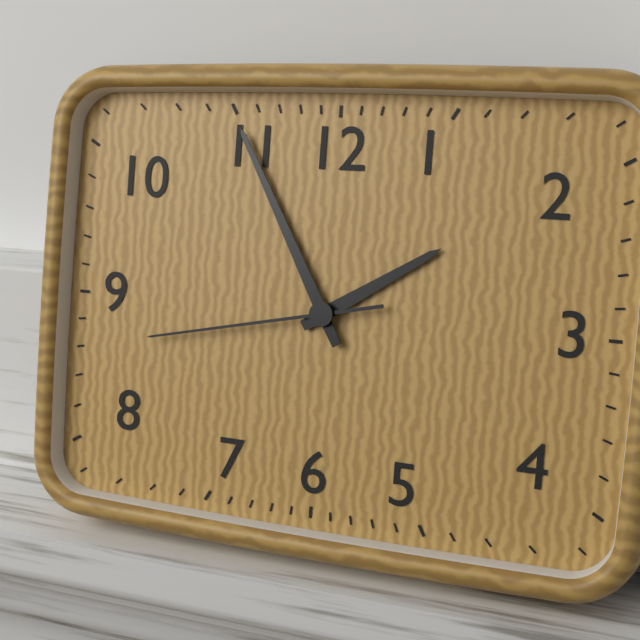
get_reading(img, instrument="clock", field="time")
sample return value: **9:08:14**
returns **1:55:43**
